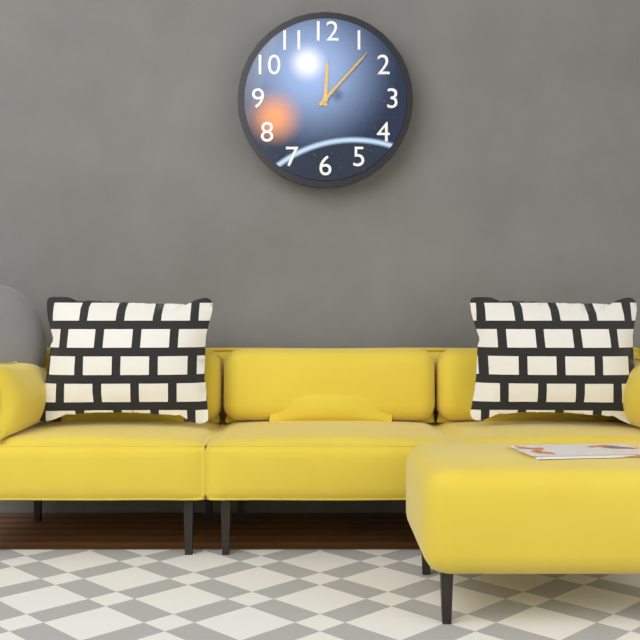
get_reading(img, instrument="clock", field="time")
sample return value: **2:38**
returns **12:07**
